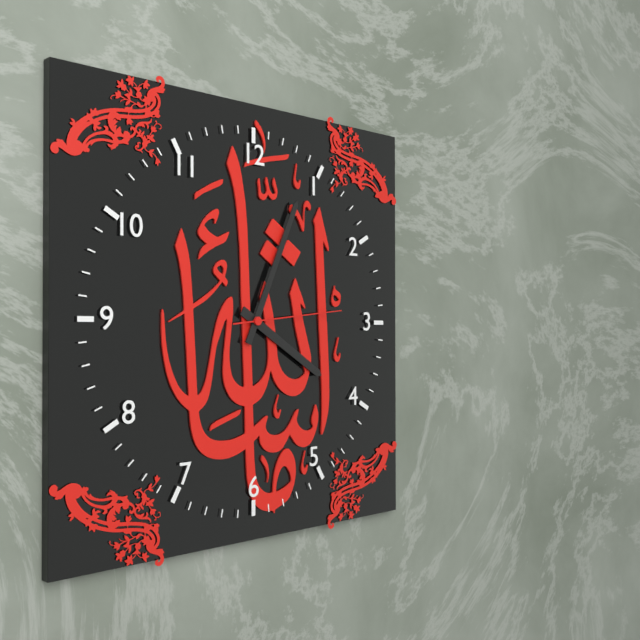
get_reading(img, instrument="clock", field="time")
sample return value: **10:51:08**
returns **4:04:14**
